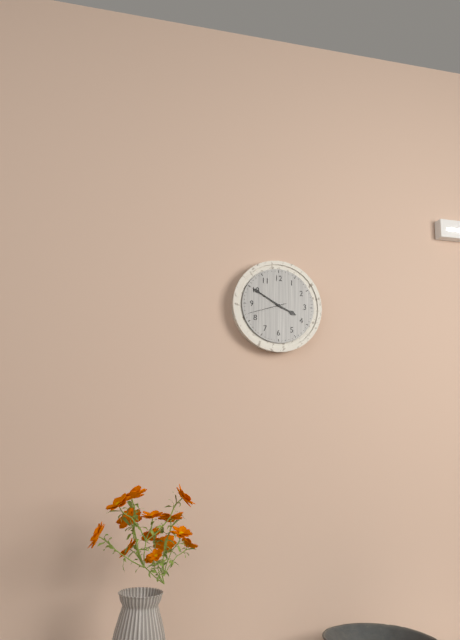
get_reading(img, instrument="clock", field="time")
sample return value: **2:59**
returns **3:50**
